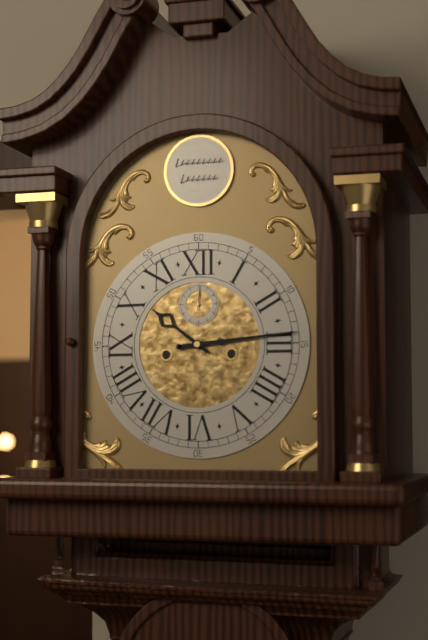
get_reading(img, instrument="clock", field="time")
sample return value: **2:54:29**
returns **10:14:01**
